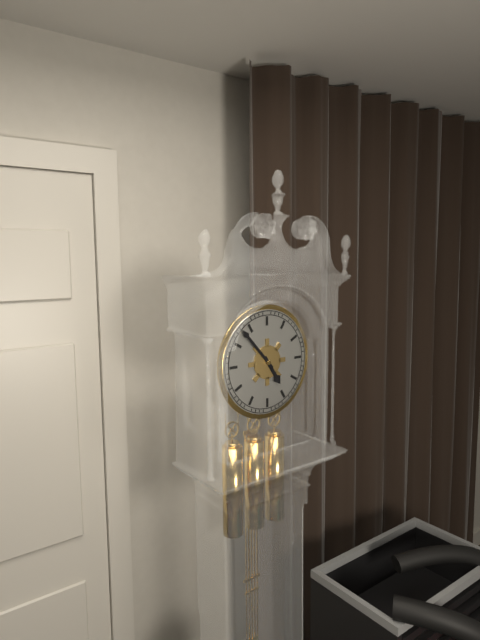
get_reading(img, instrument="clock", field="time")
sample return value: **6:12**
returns **4:53**
